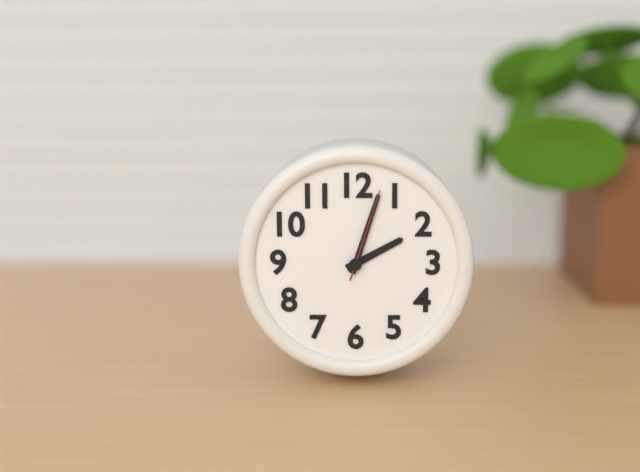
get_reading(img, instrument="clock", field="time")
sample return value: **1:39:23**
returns **2:03:03**
